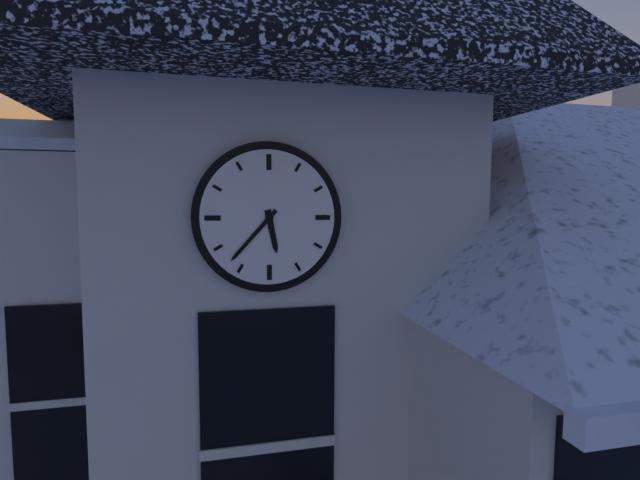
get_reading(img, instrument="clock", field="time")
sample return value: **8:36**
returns **5:37**
